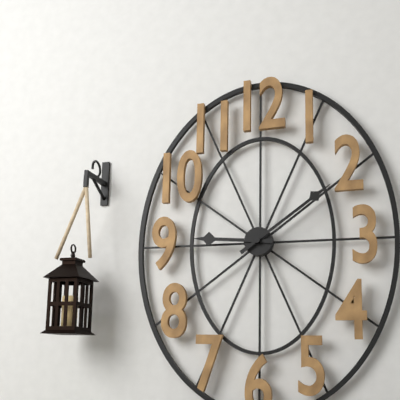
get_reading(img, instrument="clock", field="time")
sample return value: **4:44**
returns **9:09**
